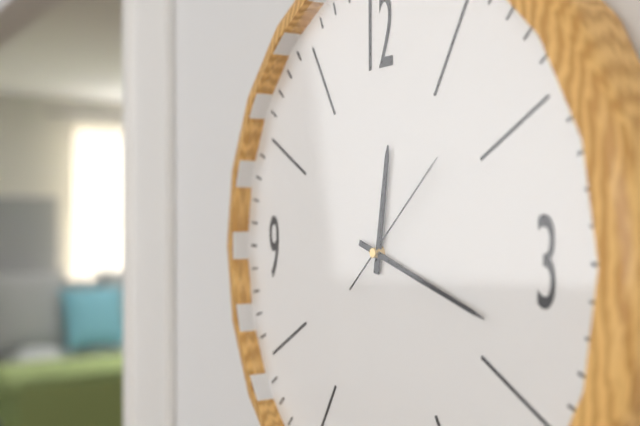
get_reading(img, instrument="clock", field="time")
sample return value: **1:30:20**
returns **12:18:08**
